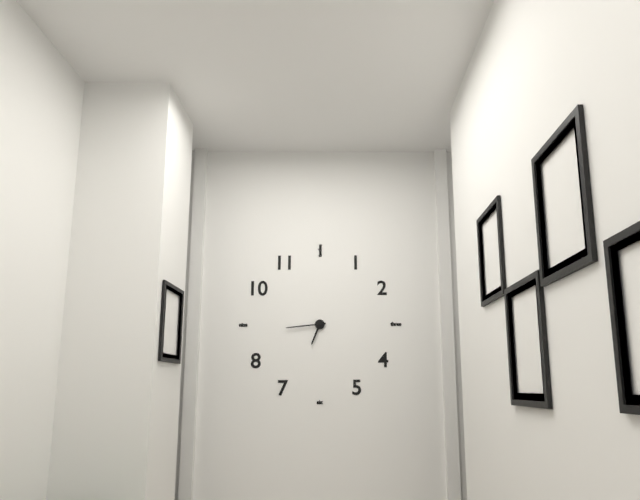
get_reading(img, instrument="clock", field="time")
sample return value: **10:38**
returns **6:44**
